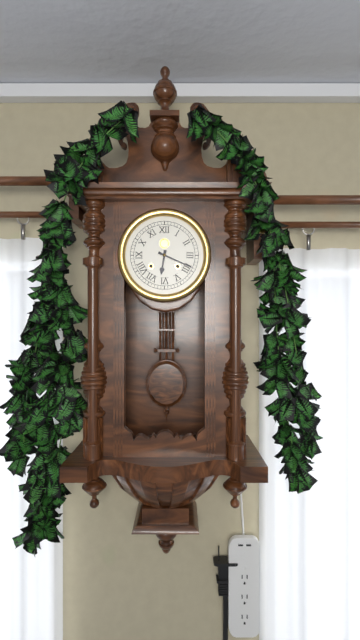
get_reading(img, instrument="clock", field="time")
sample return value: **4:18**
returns **6:19**
